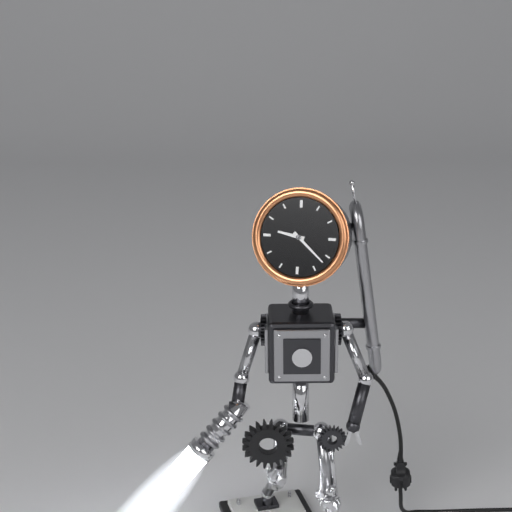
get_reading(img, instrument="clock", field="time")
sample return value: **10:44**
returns **9:22**
